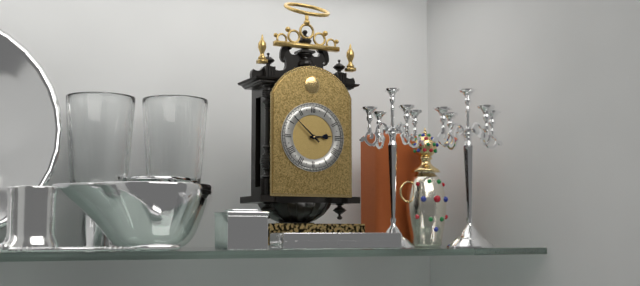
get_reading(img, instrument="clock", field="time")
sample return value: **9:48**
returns **2:52**
